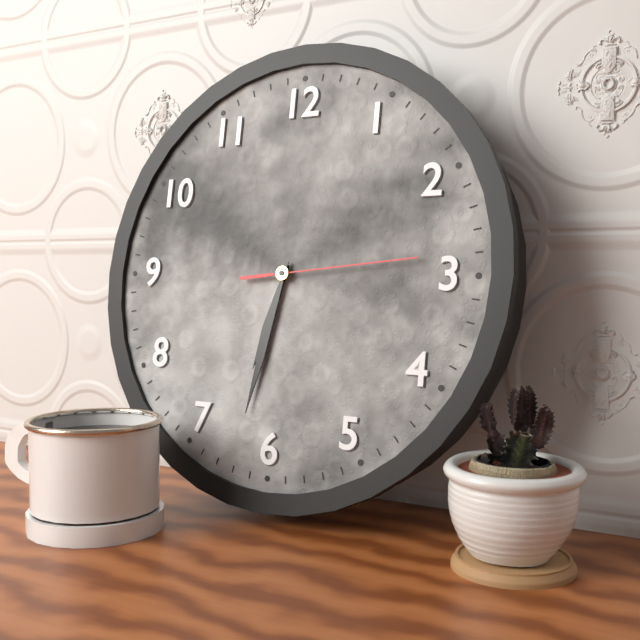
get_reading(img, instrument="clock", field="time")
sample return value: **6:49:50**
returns **6:32:14**
